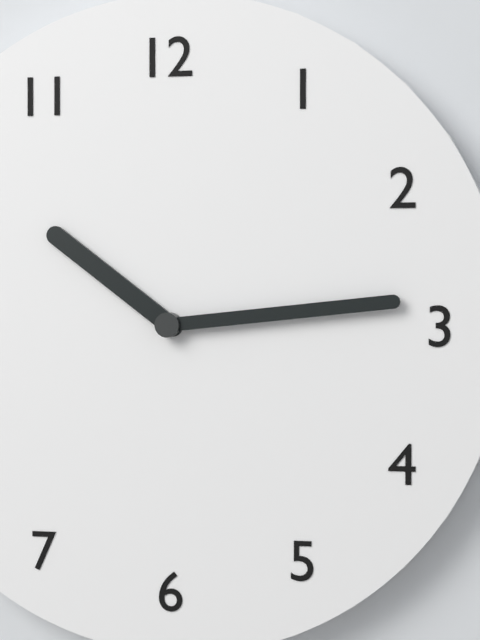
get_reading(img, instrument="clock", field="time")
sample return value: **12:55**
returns **10:14**
